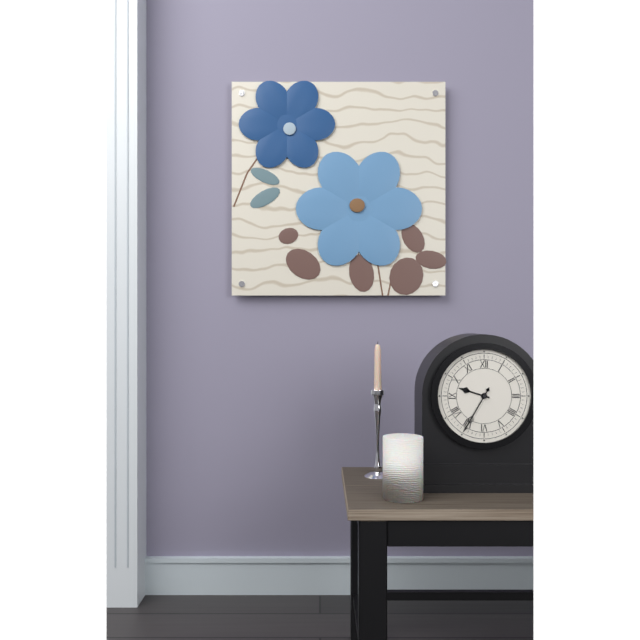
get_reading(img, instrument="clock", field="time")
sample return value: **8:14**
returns **9:35**
